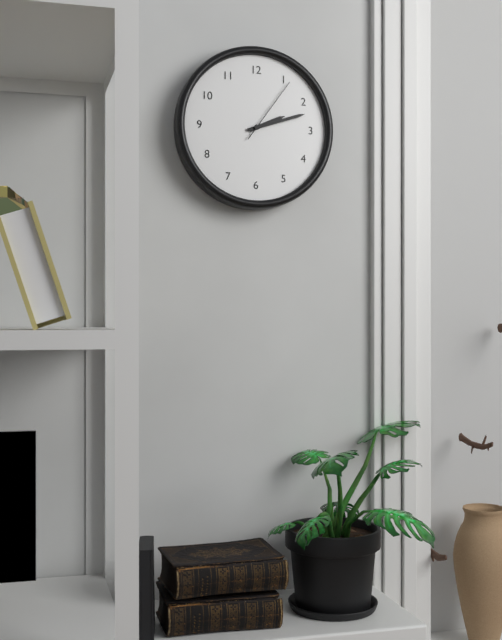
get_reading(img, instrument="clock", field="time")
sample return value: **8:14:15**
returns **2:12:06**
